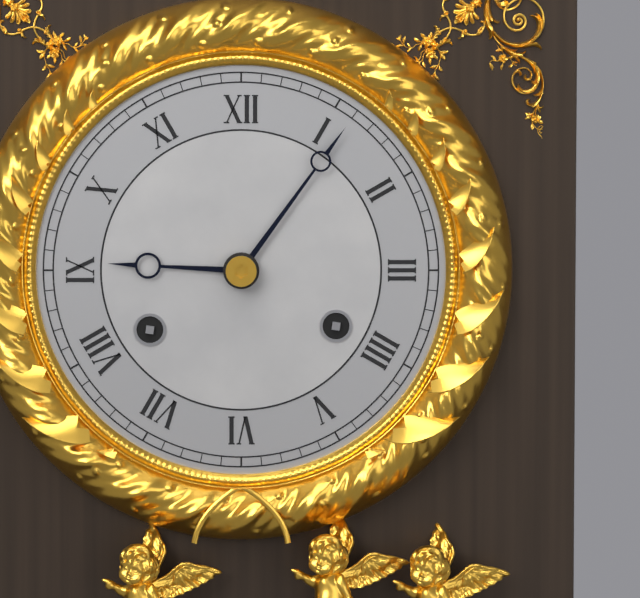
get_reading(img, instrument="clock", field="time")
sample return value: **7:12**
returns **9:06**
